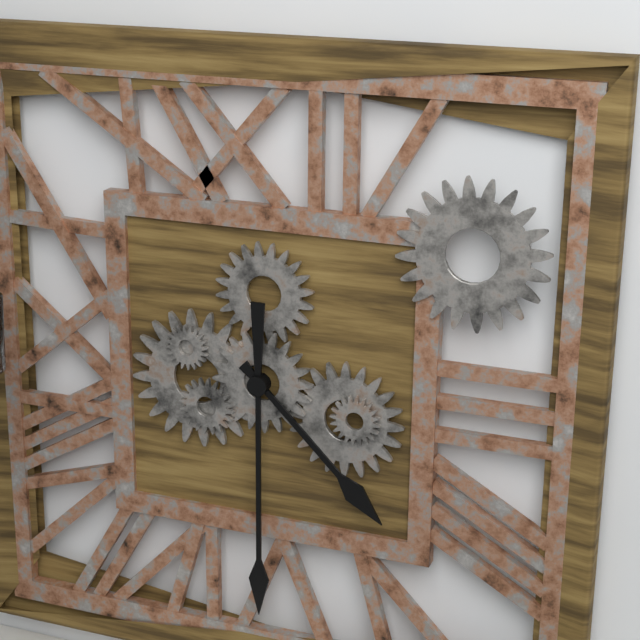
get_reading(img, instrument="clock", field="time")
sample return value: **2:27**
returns **4:30**
